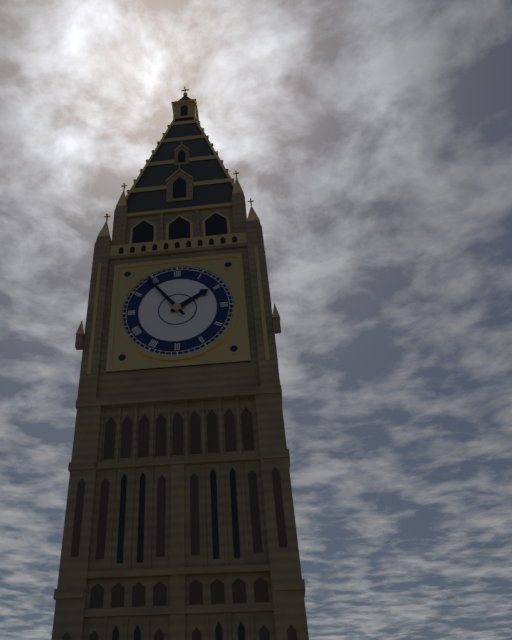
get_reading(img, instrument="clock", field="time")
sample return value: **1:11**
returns **1:54**
